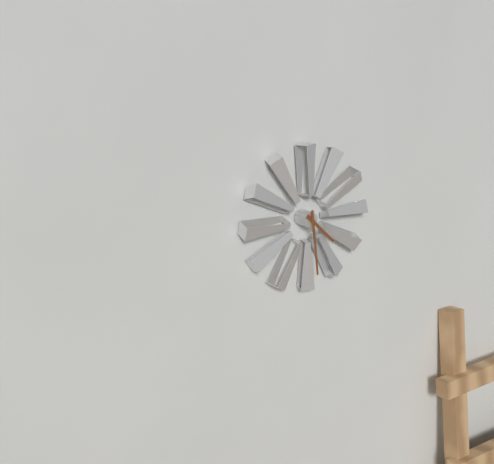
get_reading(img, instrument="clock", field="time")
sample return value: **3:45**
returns **4:29**
